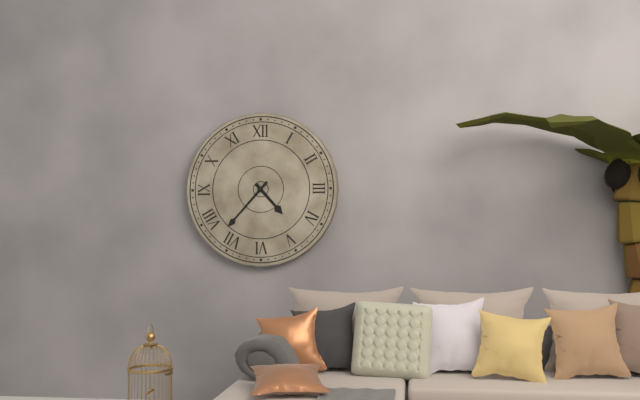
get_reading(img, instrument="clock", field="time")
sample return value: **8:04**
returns **4:37**
